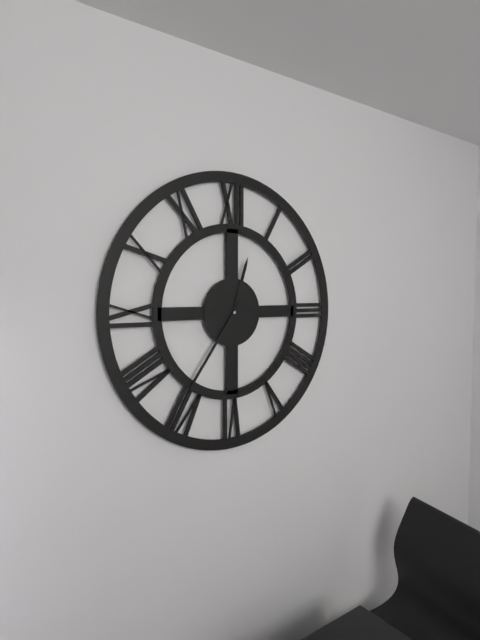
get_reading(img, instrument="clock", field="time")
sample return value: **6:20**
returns **12:36**
